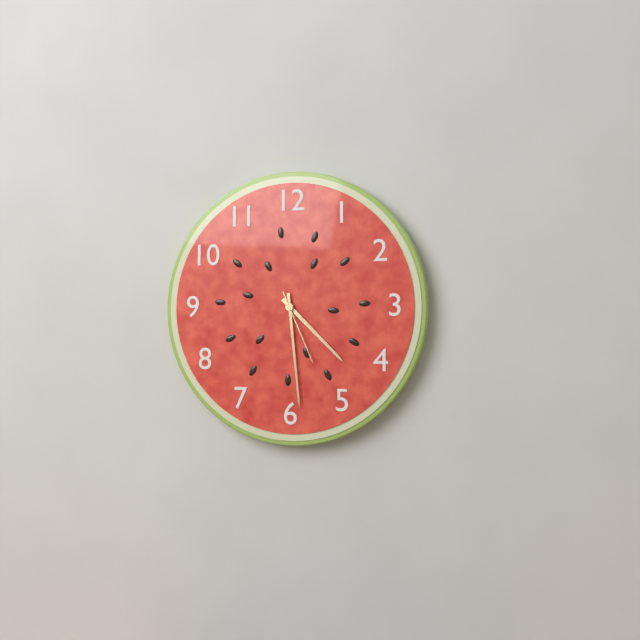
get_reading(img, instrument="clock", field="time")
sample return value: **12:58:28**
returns **4:29:26**
